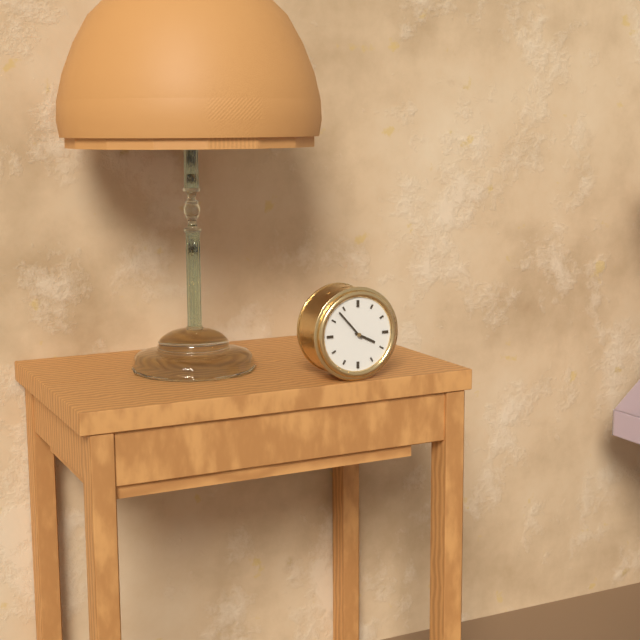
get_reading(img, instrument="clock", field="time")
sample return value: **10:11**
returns **3:53**
